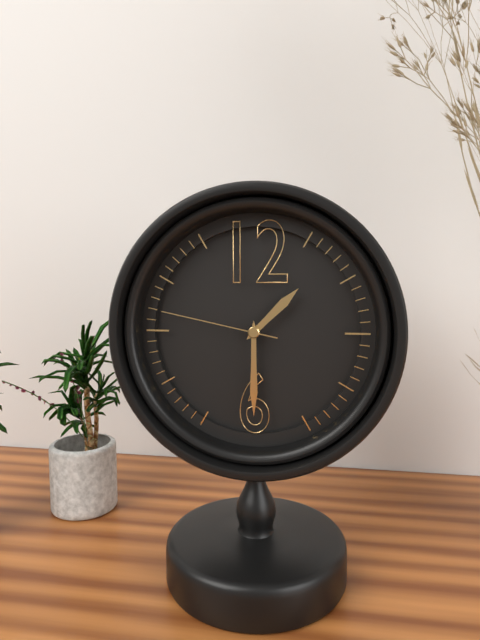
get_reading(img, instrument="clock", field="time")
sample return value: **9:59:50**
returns **1:30:47**
